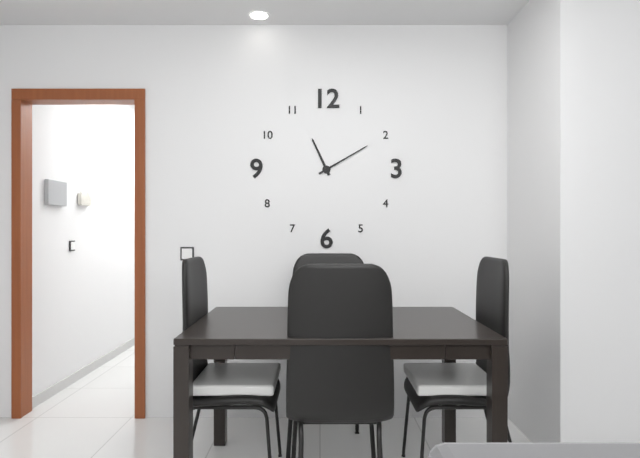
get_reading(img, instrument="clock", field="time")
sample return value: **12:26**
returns **11:10**
